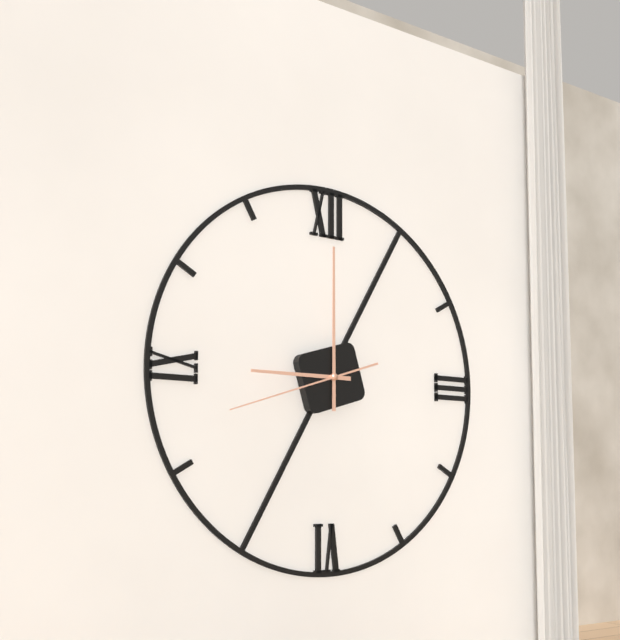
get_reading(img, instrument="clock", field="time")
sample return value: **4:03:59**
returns **9:00:42**
